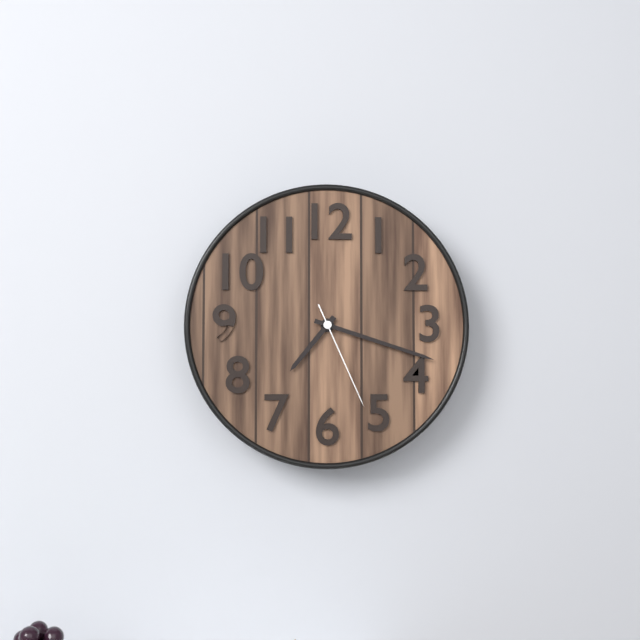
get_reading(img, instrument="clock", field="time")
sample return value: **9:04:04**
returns **7:18:26**
